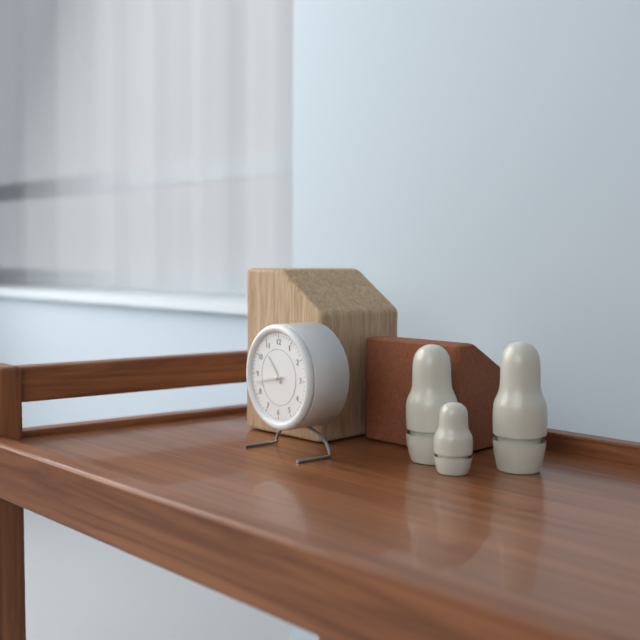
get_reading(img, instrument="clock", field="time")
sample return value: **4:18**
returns **10:43**
